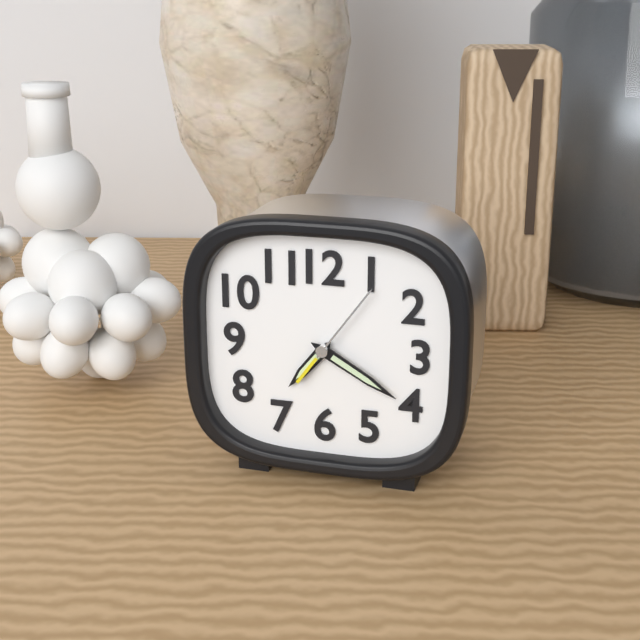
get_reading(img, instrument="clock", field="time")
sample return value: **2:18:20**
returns **7:20:06**
